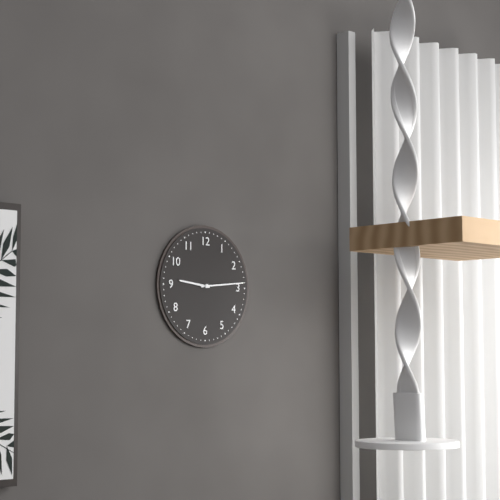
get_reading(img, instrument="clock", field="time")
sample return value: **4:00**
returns **9:14**
